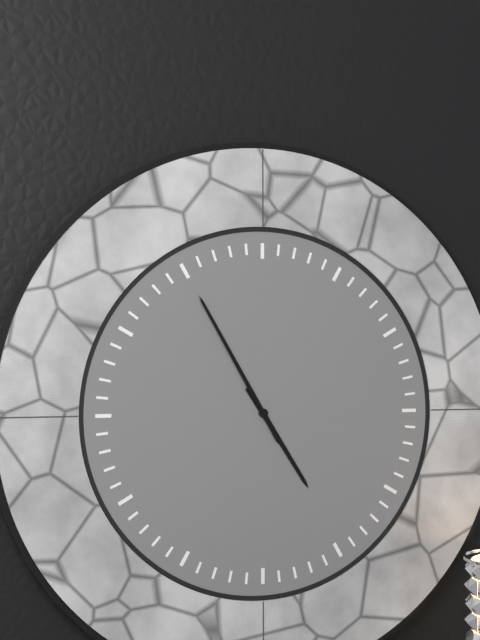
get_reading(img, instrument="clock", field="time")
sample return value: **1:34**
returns **4:55**
